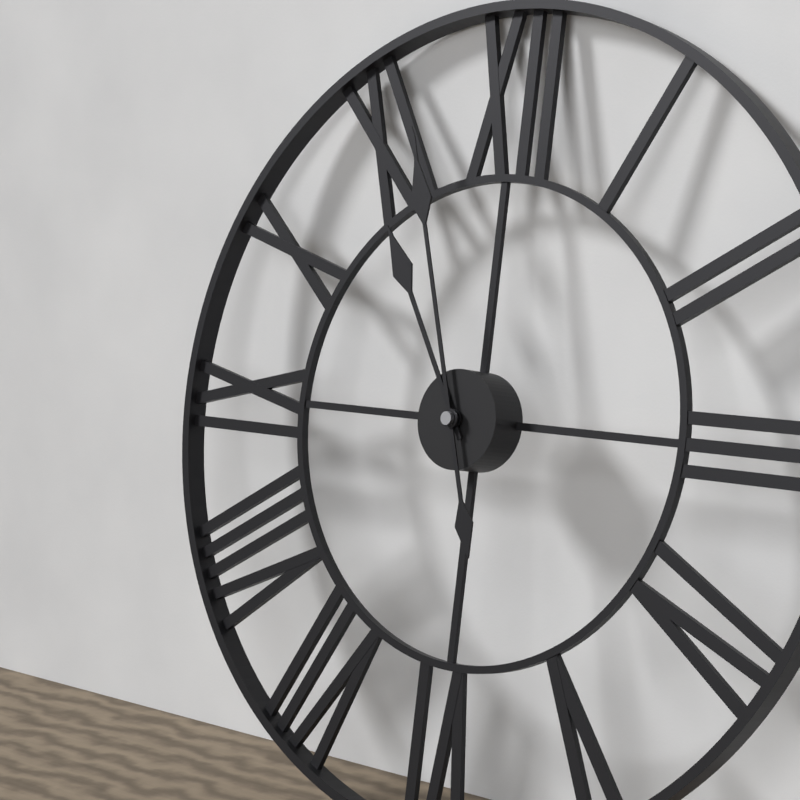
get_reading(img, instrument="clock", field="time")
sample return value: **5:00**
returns **10:57**
